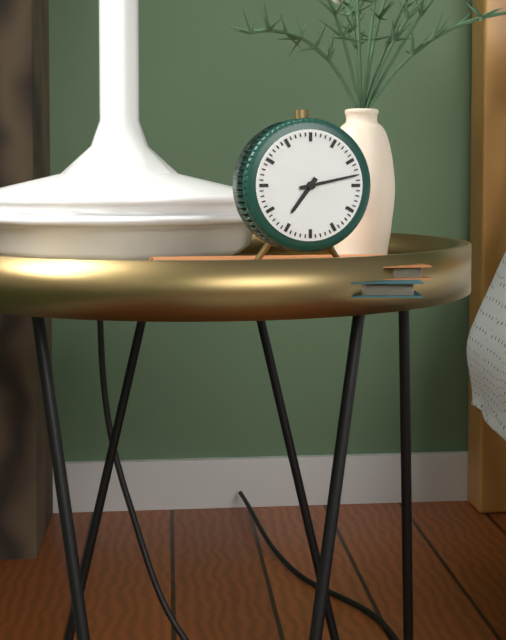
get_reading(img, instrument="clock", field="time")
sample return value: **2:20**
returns **7:13**
